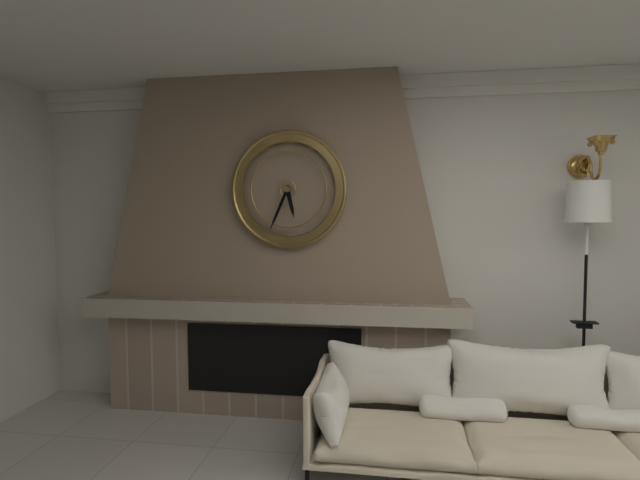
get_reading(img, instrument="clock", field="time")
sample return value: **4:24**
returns **5:34**
